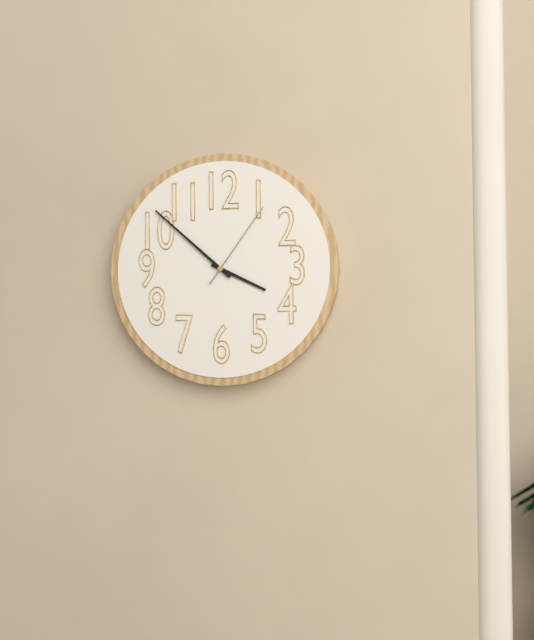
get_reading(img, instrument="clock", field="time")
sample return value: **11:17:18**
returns **3:52:06**
